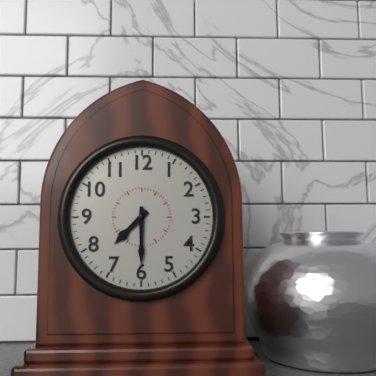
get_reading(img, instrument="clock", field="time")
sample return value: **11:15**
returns **7:30**
